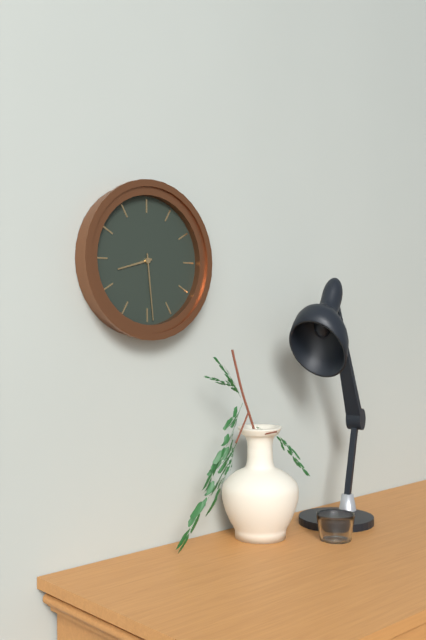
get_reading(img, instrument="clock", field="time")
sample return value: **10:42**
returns **8:29**
